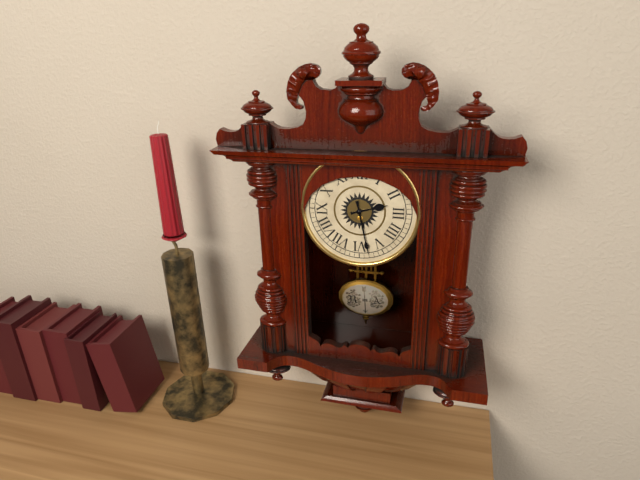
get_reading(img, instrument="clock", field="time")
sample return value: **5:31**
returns **2:28**
